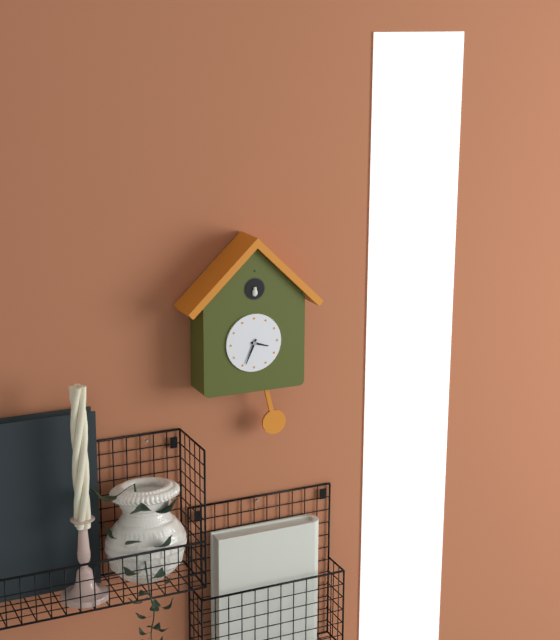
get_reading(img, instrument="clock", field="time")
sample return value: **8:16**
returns **3:34**
